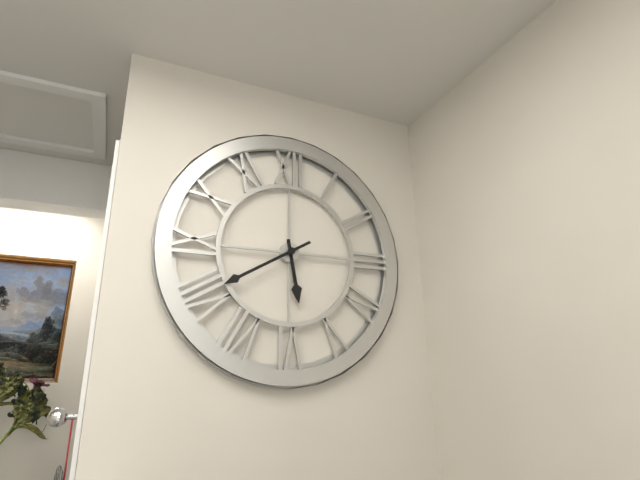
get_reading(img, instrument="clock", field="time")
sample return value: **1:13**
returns **5:40**
